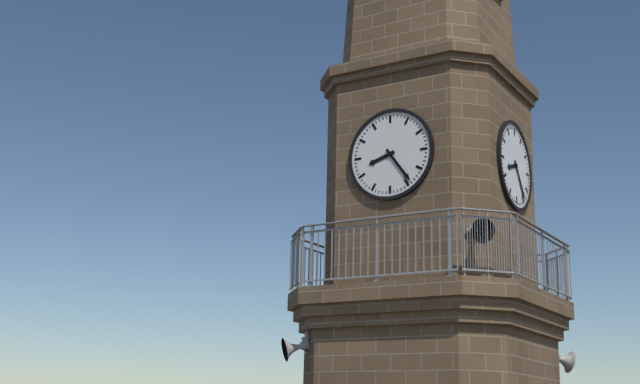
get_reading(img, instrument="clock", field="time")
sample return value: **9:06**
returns **8:24**
